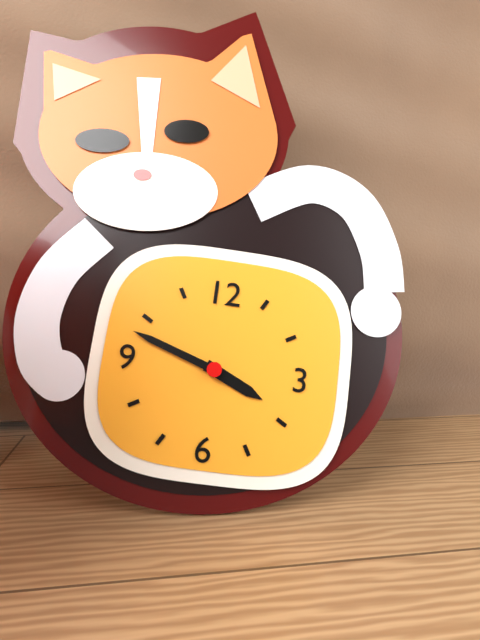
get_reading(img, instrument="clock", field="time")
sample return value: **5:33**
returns **3:48**
